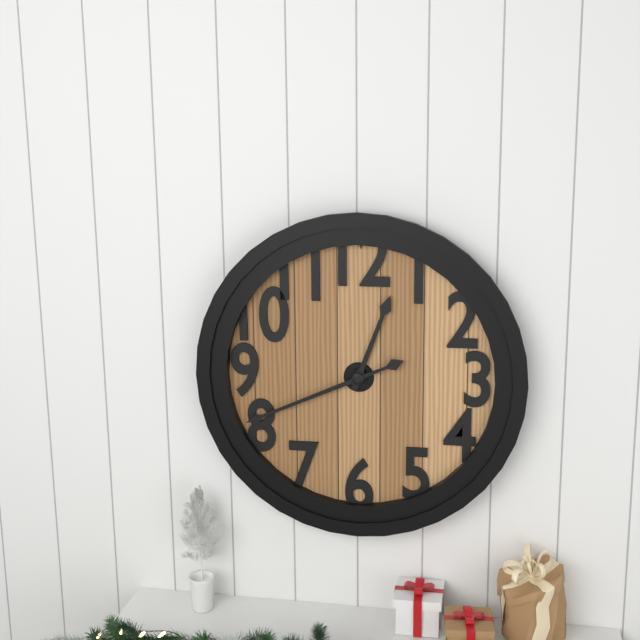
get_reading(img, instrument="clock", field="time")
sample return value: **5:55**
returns **12:41**
